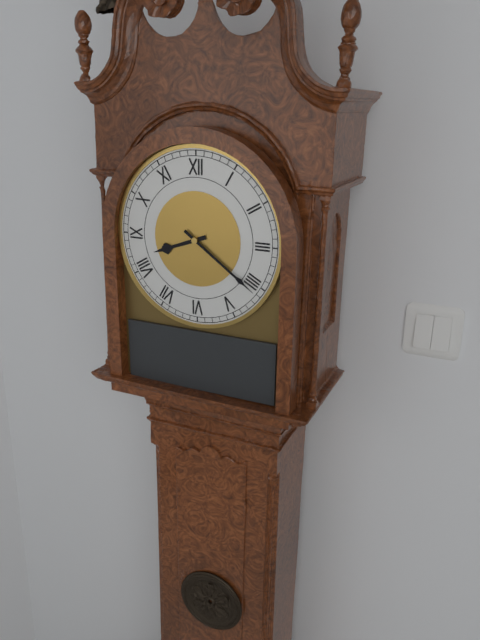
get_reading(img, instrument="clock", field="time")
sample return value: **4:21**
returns **8:21**
